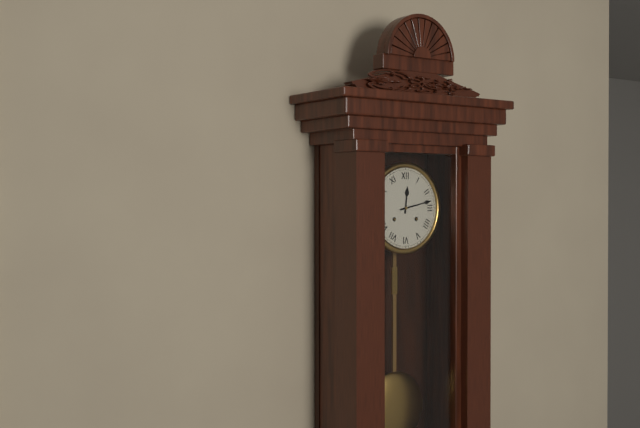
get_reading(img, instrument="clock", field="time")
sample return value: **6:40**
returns **12:13**
